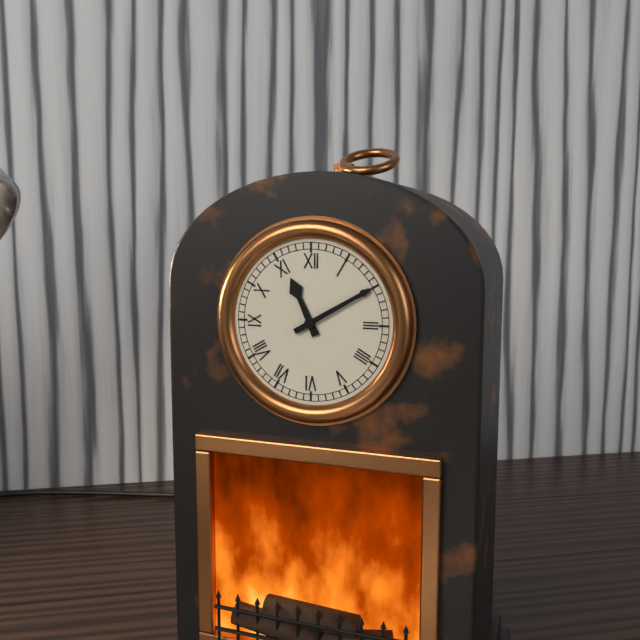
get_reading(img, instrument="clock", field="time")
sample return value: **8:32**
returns **11:10**
